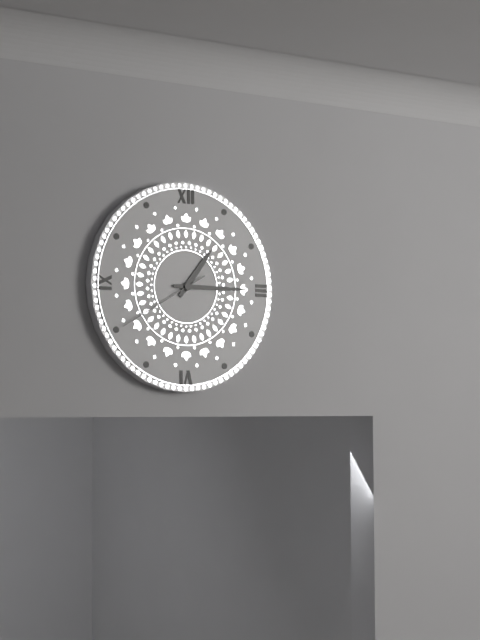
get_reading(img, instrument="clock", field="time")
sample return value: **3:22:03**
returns **1:15:40**
